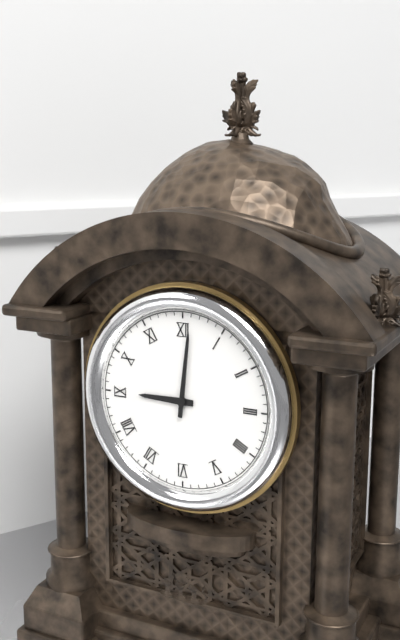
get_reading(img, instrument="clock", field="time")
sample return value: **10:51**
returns **9:01**
